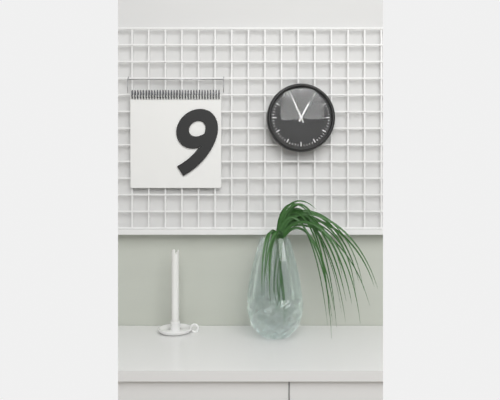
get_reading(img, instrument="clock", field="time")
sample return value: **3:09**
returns **12:56**
